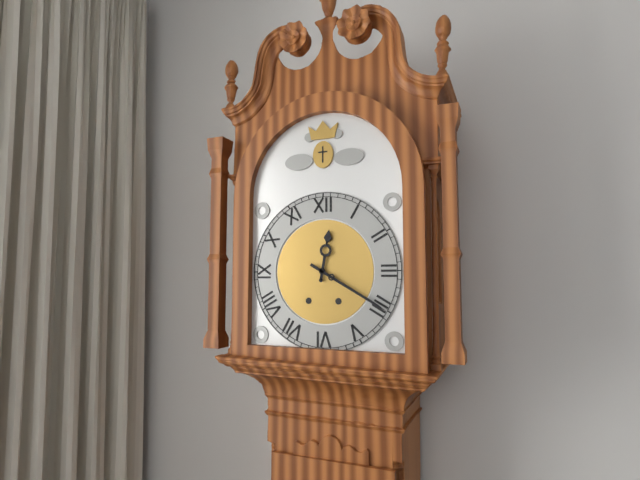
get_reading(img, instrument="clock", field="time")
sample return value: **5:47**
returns **12:20**
